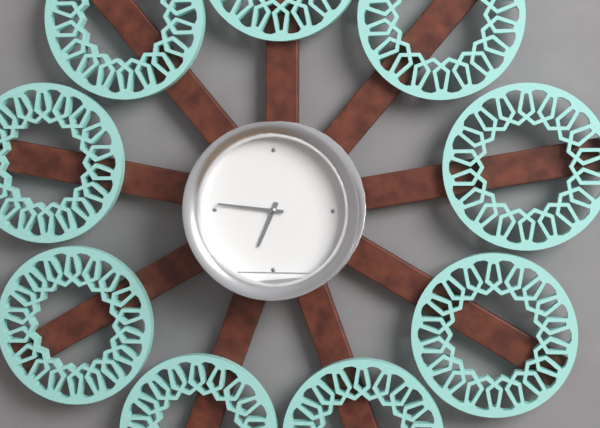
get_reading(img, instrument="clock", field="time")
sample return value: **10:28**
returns **6:46**
